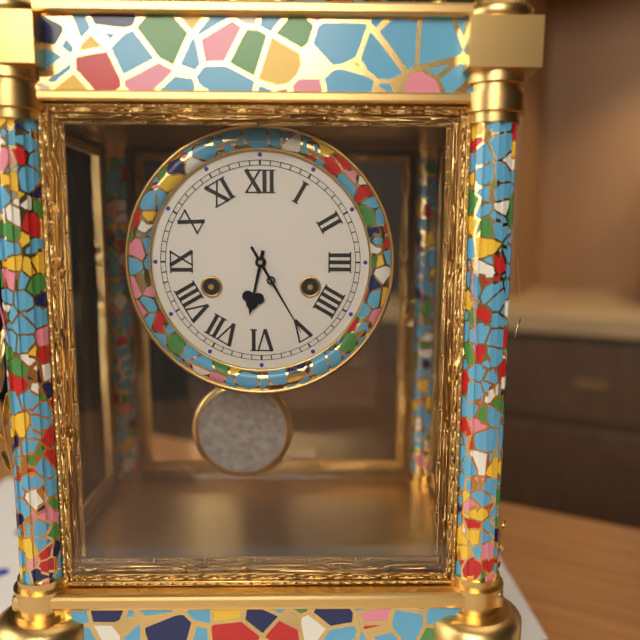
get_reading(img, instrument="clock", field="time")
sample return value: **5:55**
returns **6:25**
